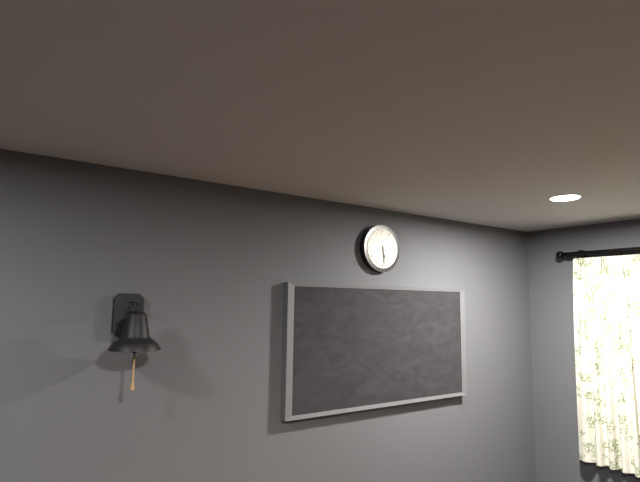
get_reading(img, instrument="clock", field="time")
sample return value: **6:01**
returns **5:29**
